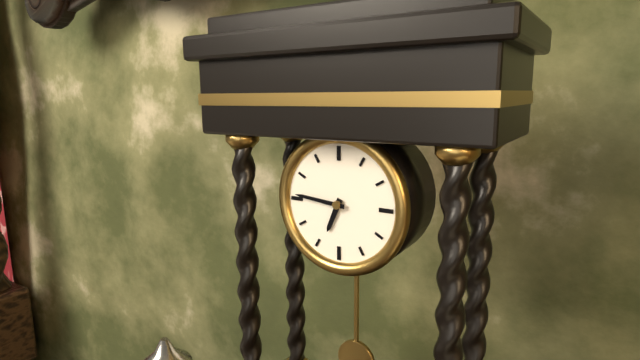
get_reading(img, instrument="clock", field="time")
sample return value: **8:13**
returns **6:46**
